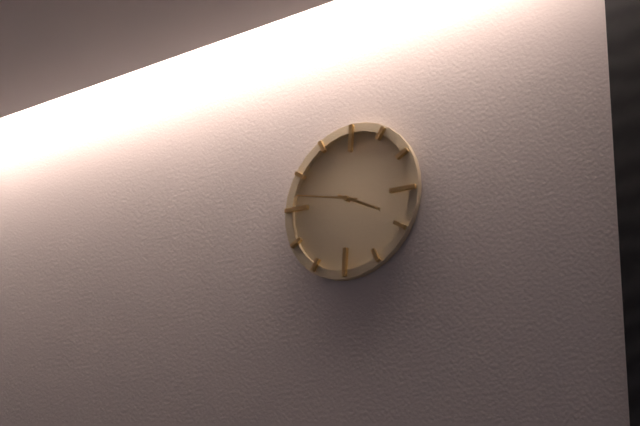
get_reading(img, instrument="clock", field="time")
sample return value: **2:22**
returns **3:47**
